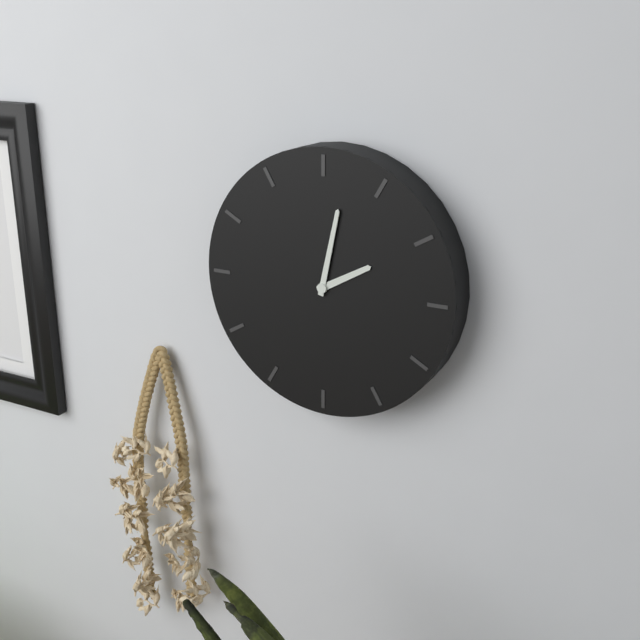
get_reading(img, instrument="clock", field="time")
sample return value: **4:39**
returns **2:02**
